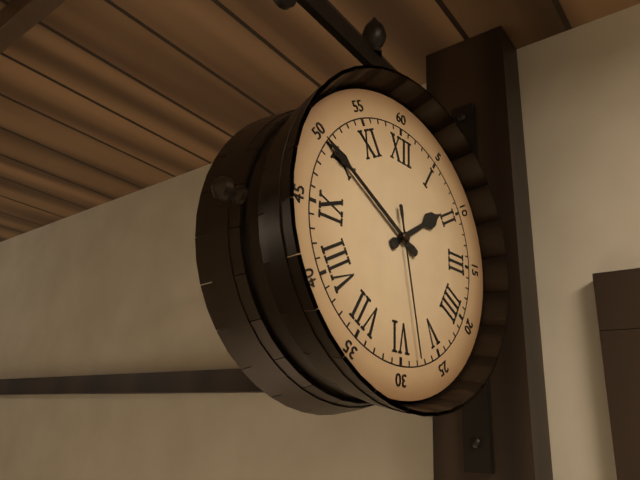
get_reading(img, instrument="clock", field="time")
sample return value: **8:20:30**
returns **1:50:28**
